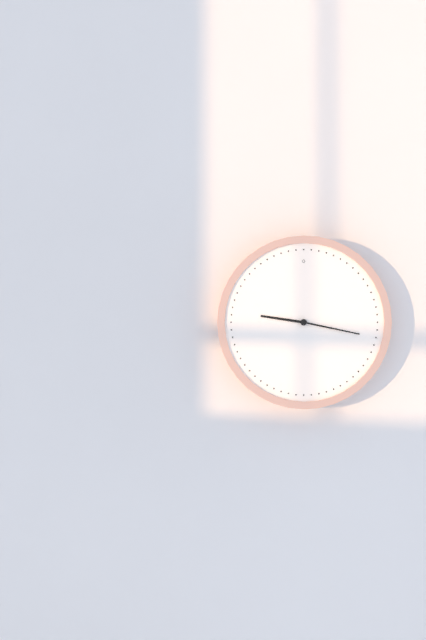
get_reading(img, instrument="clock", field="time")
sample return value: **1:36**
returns **9:17**
